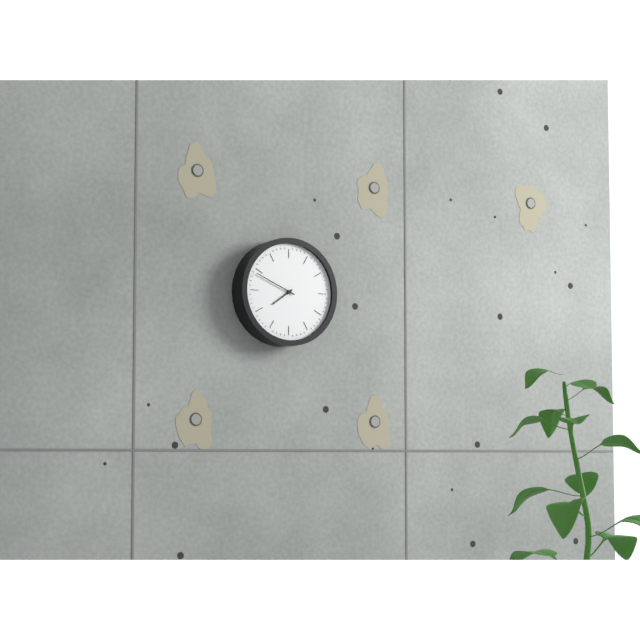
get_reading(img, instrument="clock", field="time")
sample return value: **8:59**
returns **7:49**
